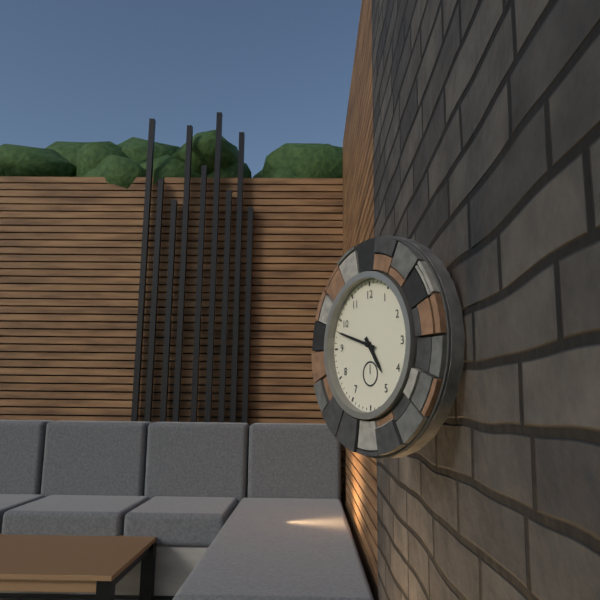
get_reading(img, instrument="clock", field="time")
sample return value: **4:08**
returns **4:48**
